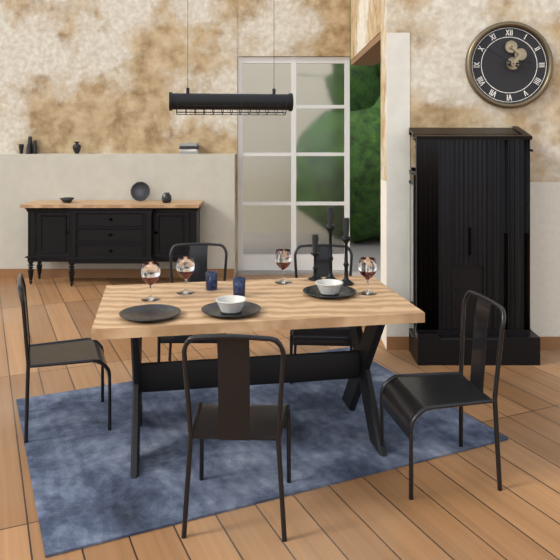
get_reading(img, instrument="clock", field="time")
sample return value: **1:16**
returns **2:50**
